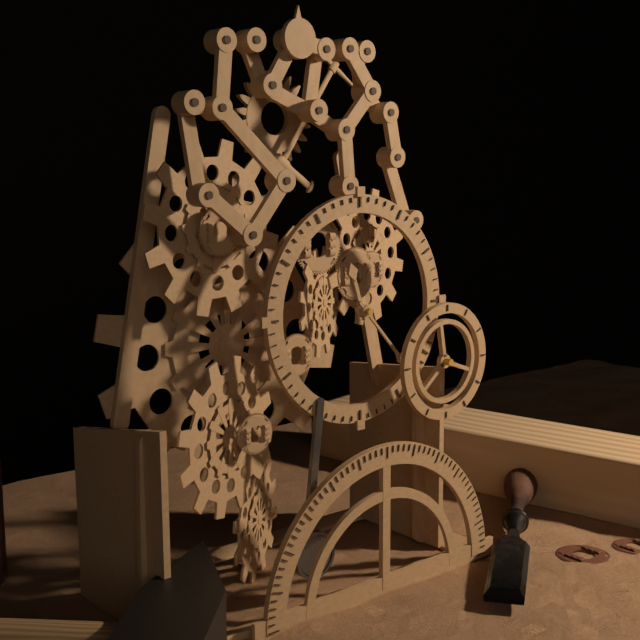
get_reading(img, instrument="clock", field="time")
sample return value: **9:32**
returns **11:23**
